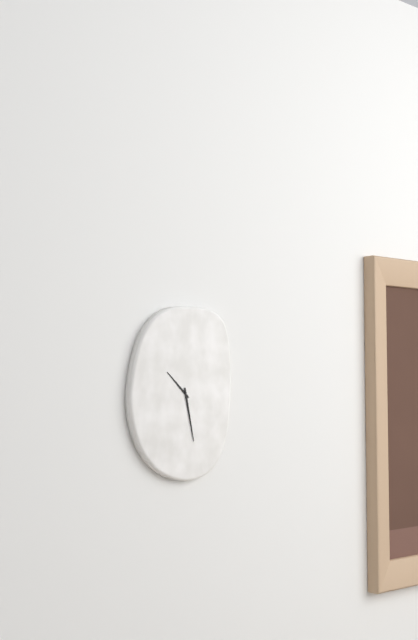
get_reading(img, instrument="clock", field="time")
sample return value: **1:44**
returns **10:28**
